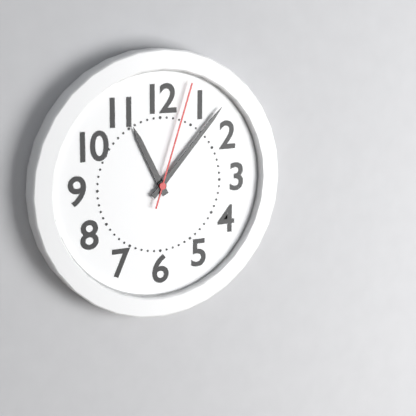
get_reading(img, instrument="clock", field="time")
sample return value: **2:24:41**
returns **11:07:03**
